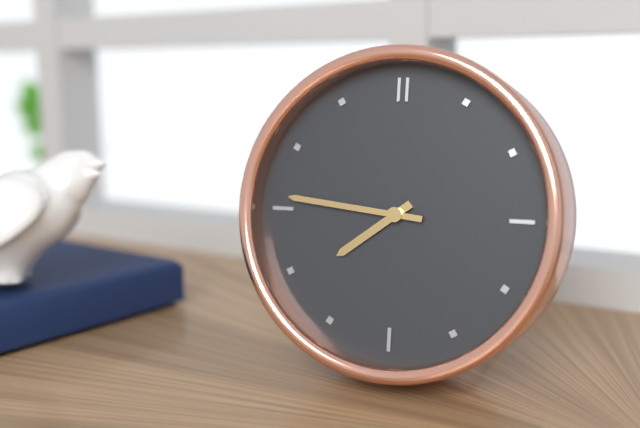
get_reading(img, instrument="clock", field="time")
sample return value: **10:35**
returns **7:46**
